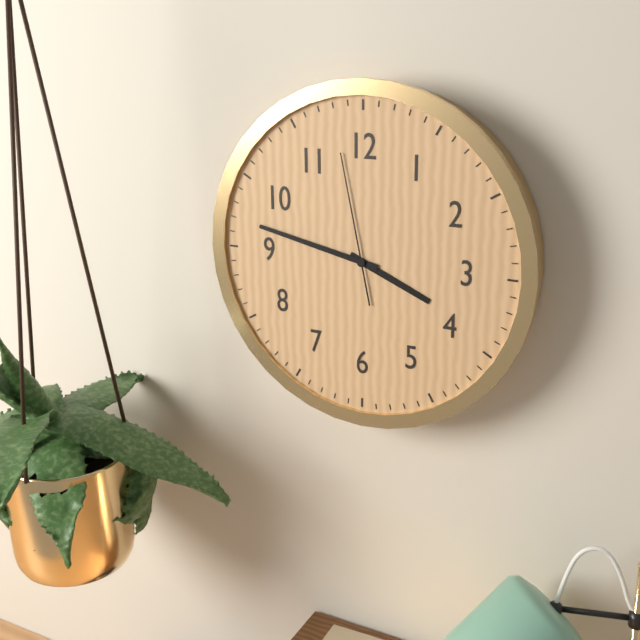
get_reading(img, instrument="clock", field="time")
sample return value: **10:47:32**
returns **3:47:58**
